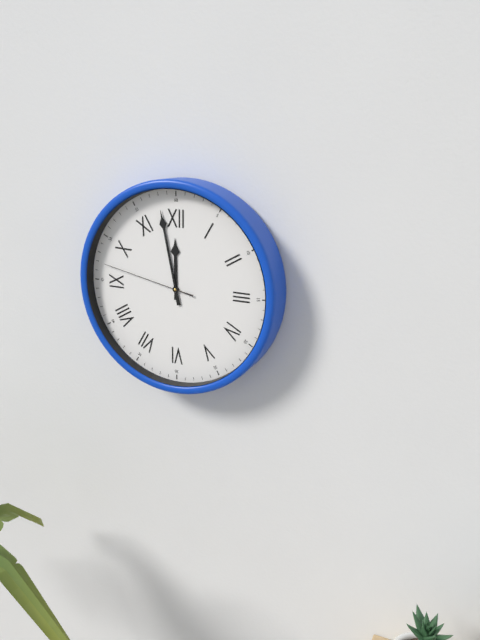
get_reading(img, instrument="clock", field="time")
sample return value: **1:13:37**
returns **11:58:47**
